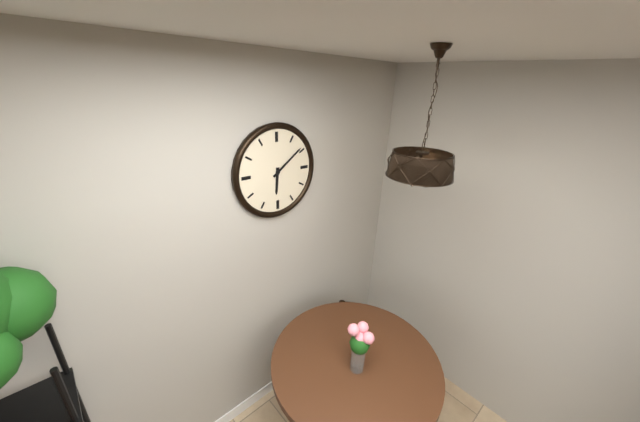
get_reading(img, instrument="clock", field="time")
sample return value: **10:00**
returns **6:09**
